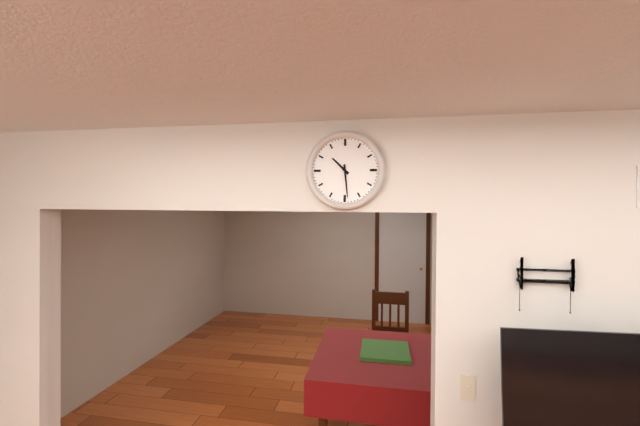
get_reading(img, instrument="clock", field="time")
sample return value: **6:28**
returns **10:29**
